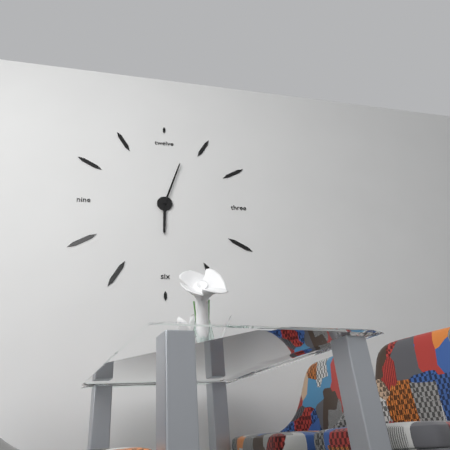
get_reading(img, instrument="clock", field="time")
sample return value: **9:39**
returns **6:03**
